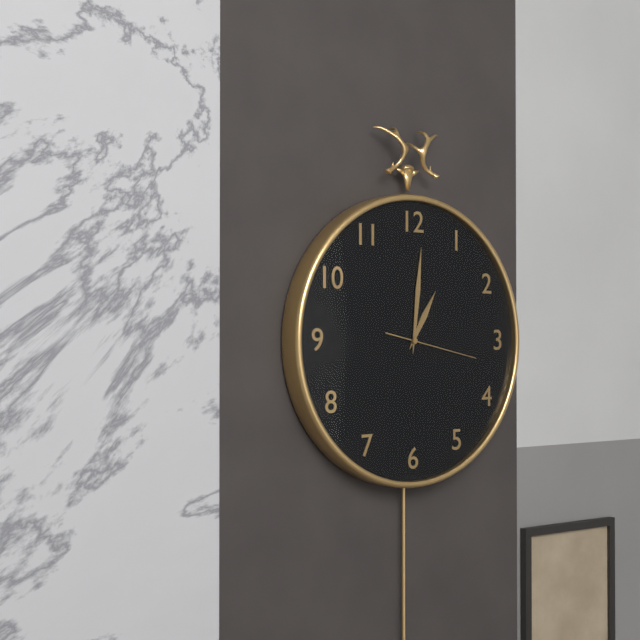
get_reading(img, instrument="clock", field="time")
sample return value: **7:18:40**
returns **1:01:17**
